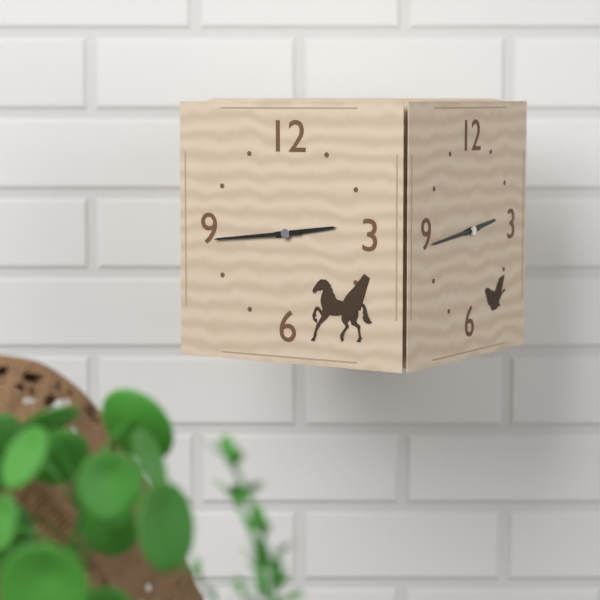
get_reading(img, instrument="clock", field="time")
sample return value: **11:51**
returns **2:44**
